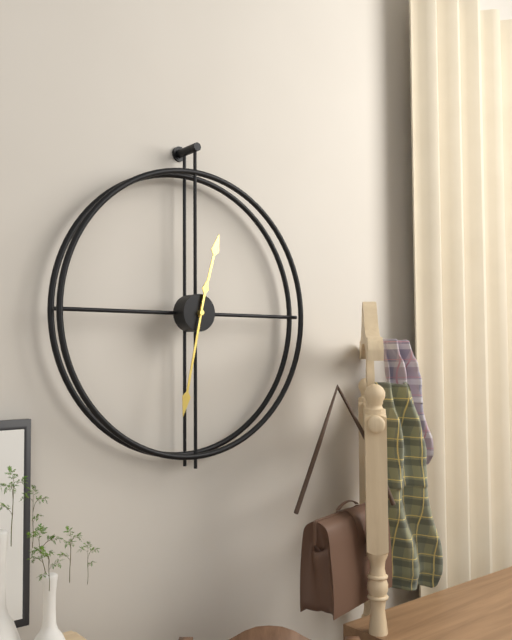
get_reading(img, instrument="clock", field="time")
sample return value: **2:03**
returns **12:32**
